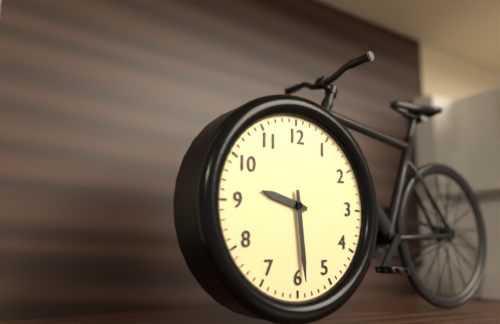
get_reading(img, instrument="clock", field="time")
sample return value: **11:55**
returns **9:29**
